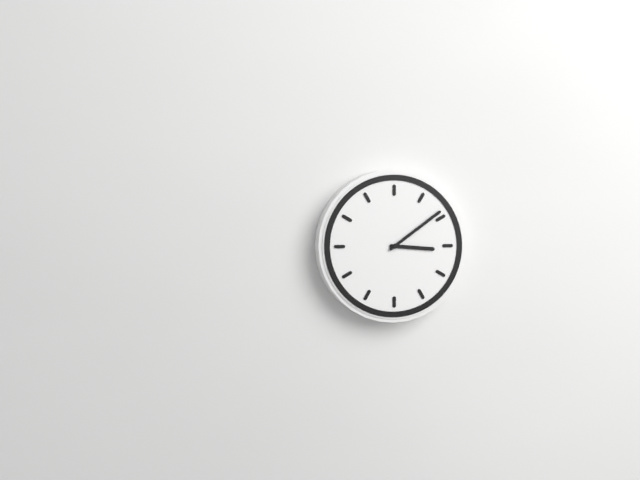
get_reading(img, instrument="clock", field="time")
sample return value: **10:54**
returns **3:09**
